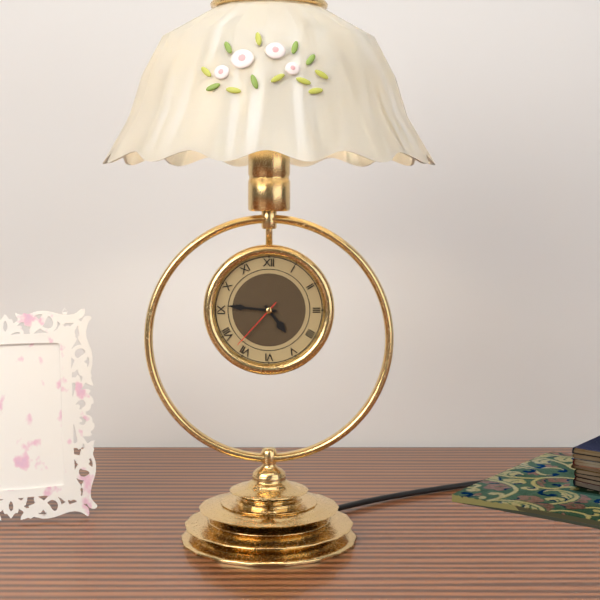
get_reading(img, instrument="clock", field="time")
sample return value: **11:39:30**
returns **4:46:37**
